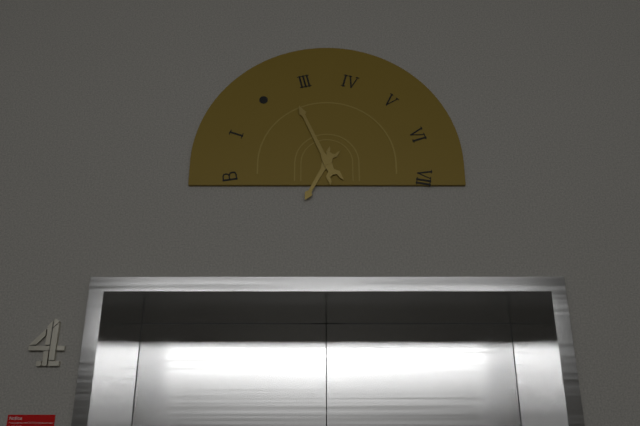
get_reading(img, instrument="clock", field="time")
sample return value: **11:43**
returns **6:56**
